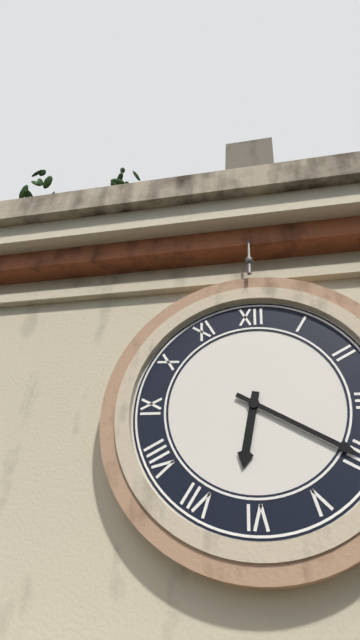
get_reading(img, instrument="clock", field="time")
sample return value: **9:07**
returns **6:20**
